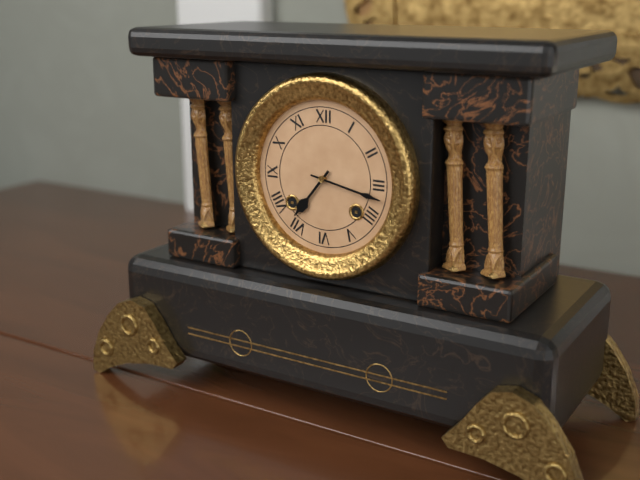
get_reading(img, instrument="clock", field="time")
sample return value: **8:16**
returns **7:17**
